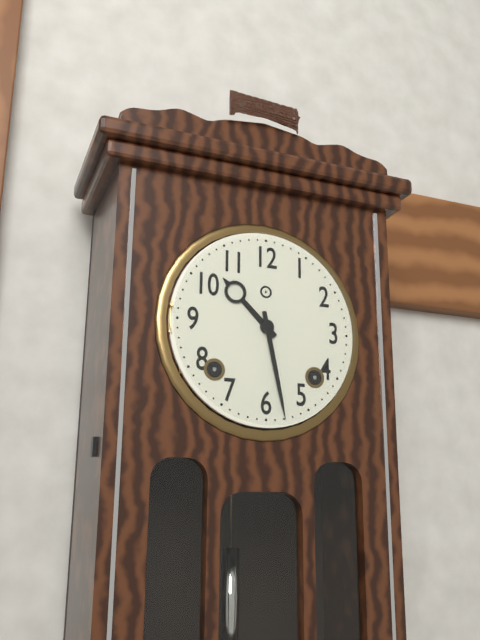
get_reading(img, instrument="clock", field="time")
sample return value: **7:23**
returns **10:28**
